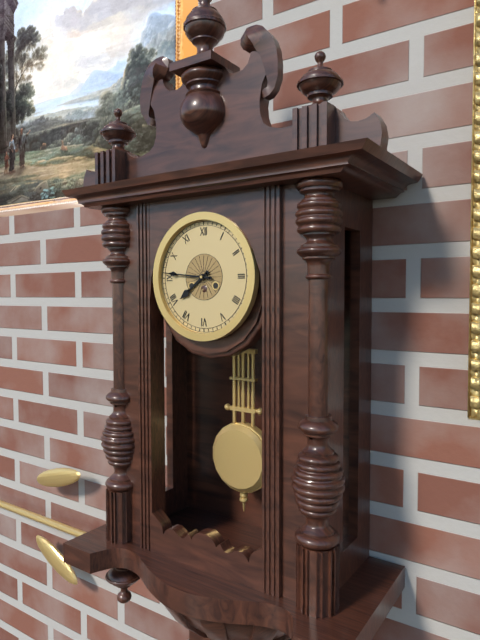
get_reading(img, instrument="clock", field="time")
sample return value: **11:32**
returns **7:46**
